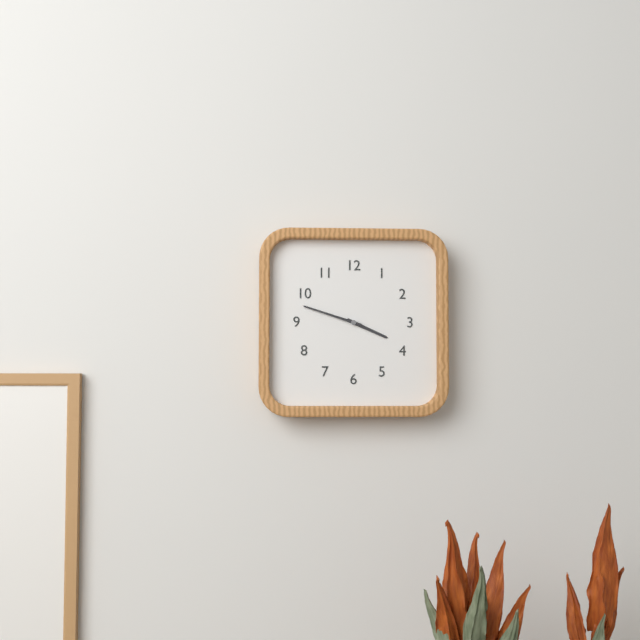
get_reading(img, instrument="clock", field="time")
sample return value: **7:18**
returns **3:48**
